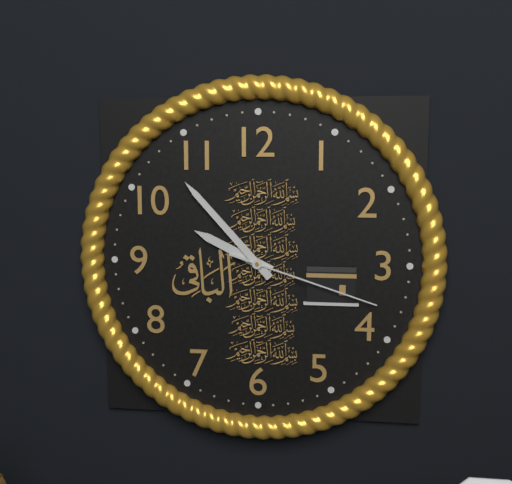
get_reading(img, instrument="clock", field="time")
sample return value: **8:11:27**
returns **9:53:18**
